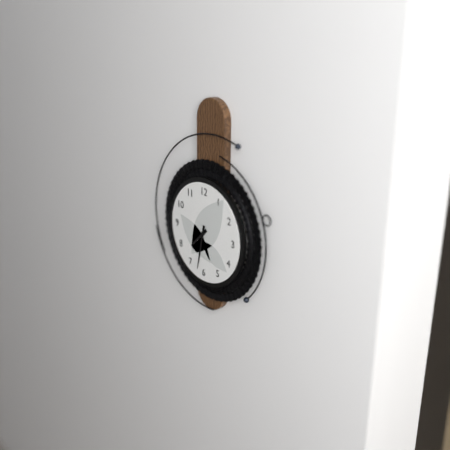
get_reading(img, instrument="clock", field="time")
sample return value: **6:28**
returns **7:32**
